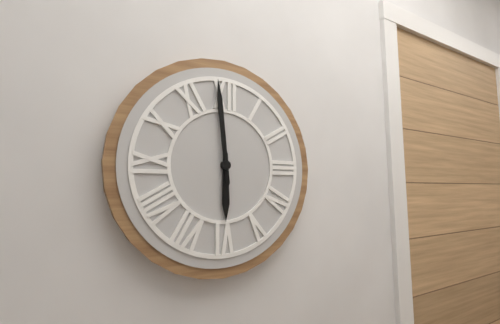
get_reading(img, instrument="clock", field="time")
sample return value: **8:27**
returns **5:59**
